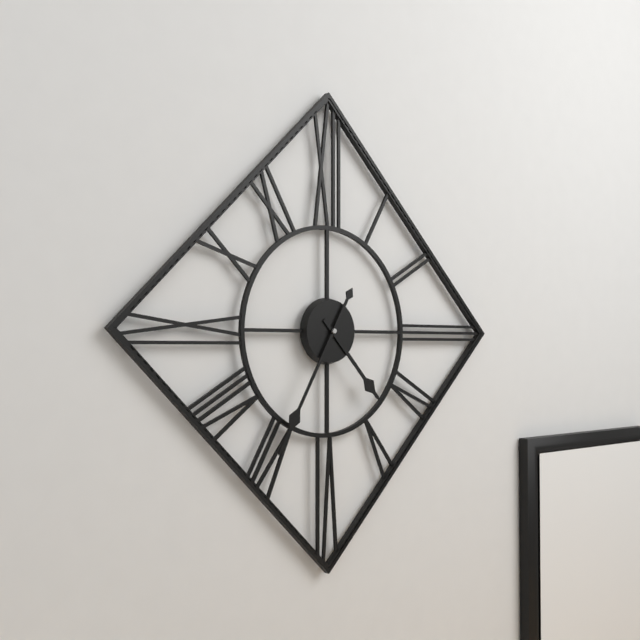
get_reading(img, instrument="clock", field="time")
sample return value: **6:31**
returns **4:35**
